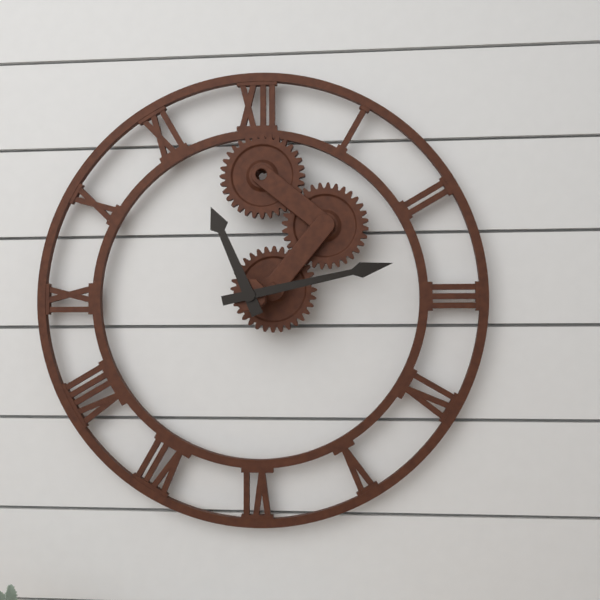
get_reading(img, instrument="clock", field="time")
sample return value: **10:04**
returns **11:13**
